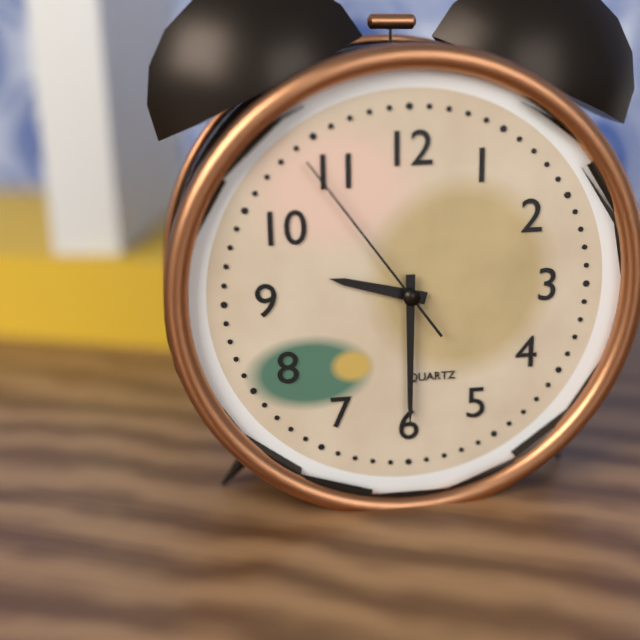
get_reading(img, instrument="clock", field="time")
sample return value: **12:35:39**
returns **9:30:54**
